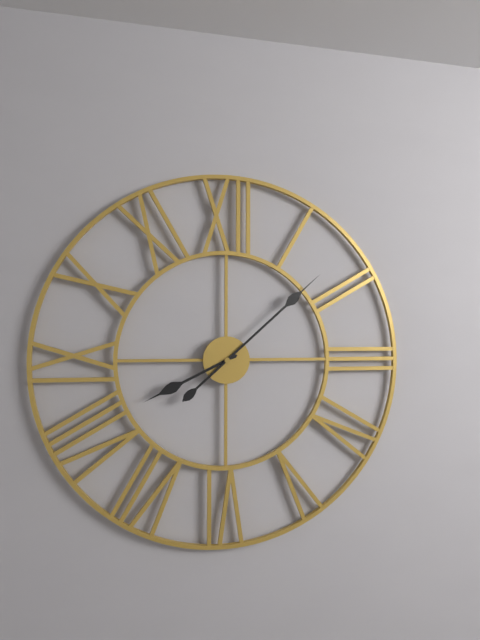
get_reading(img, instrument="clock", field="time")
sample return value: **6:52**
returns **8:08**
